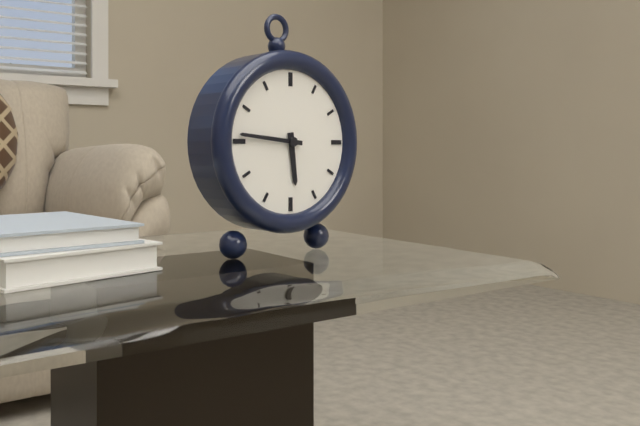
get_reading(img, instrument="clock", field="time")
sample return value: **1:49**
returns **5:46**
